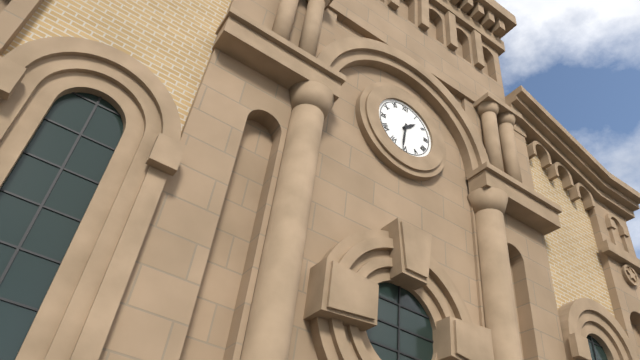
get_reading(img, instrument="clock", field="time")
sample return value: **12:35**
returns **1:31**
